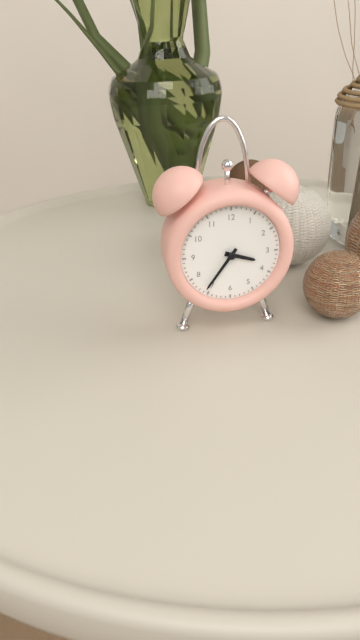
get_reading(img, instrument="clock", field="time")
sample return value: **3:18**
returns **3:36**
